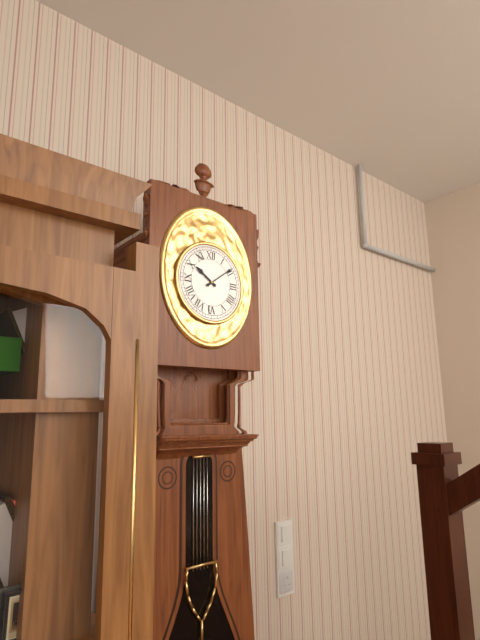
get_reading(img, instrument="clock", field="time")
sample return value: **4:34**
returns **10:09**
